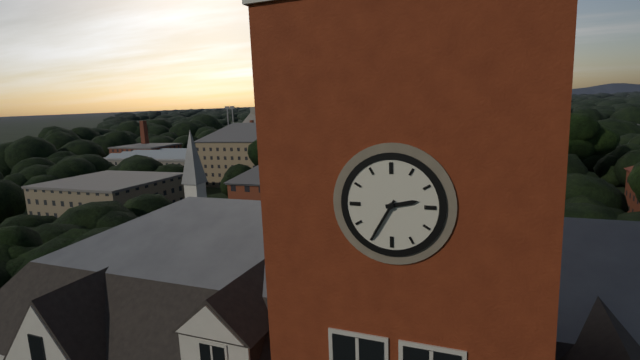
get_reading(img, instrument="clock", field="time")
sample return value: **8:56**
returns **2:35**
